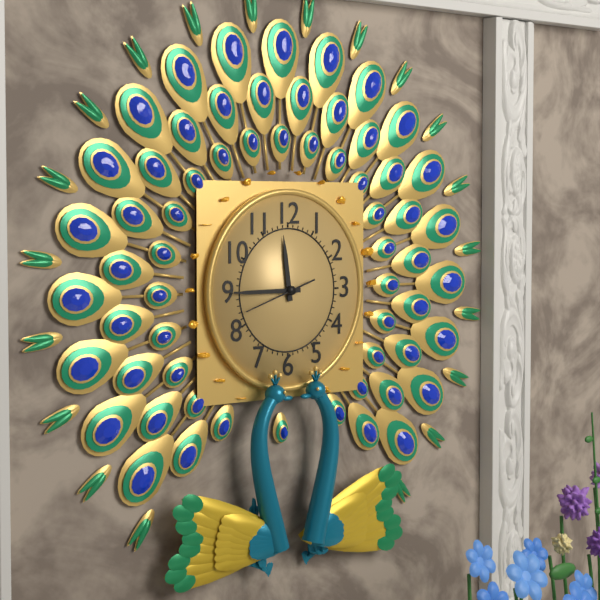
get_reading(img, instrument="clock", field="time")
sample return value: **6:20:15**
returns **11:45:42**
